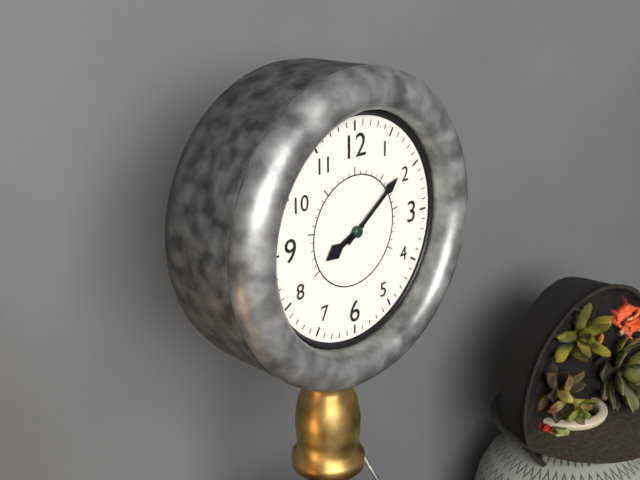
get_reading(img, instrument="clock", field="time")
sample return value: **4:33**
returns **8:09**
